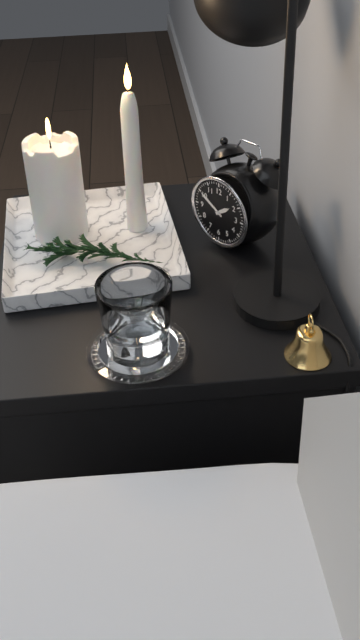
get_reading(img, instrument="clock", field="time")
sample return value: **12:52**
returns **1:50**
